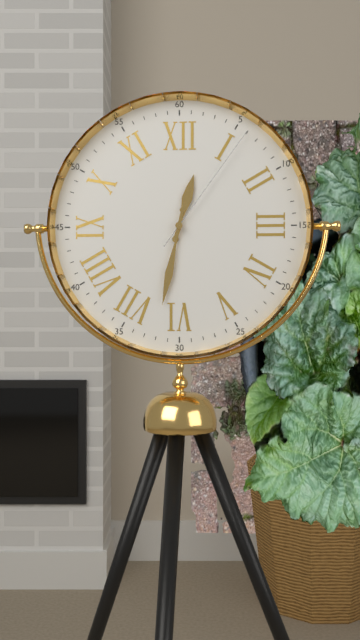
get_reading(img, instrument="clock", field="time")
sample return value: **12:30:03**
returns **12:32:06**
